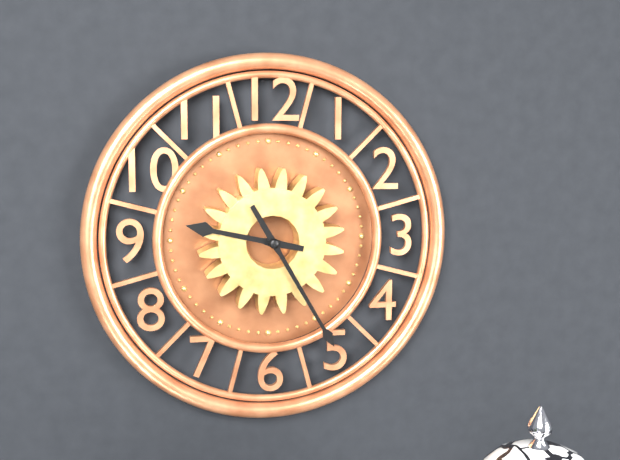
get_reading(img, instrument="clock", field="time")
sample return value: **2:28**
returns **9:25**
